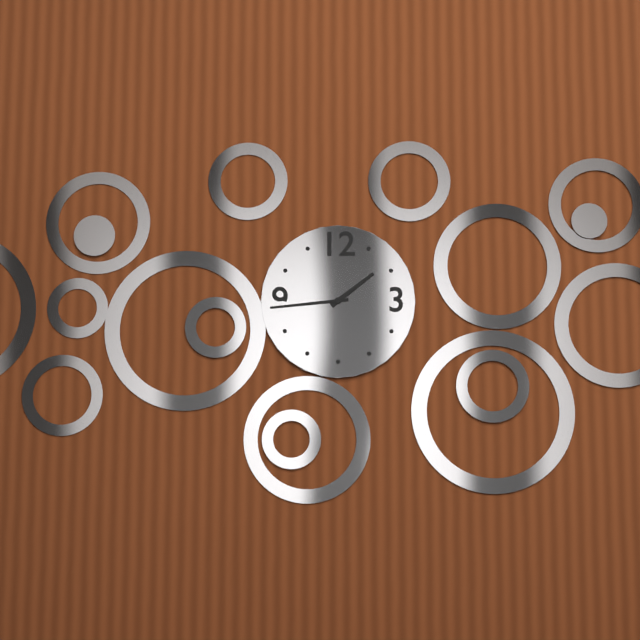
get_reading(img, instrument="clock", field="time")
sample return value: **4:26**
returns **1:44**
